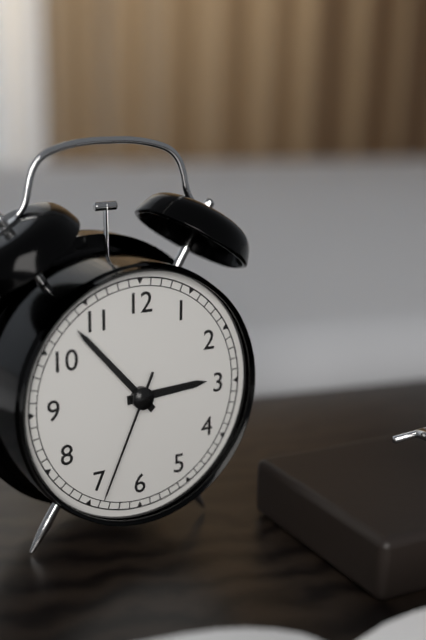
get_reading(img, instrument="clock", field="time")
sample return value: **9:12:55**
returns **2:53:34**
